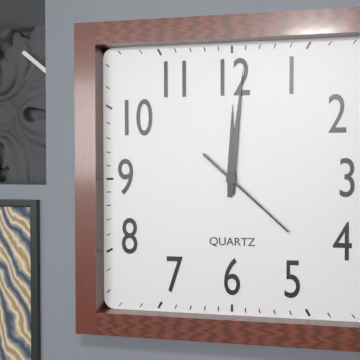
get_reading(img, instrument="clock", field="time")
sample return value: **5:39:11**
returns **12:01:22**
